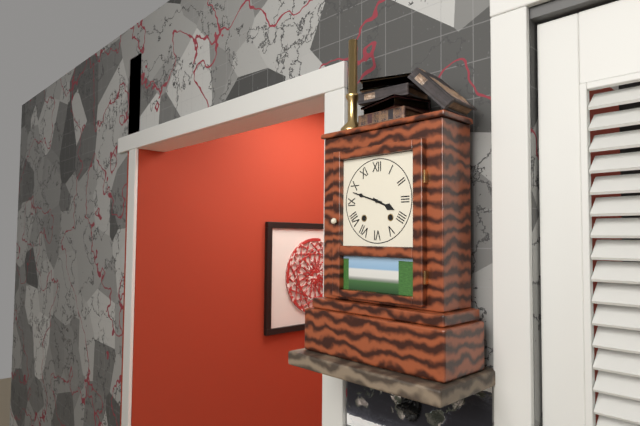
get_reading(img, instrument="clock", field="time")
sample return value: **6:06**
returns **3:48**
